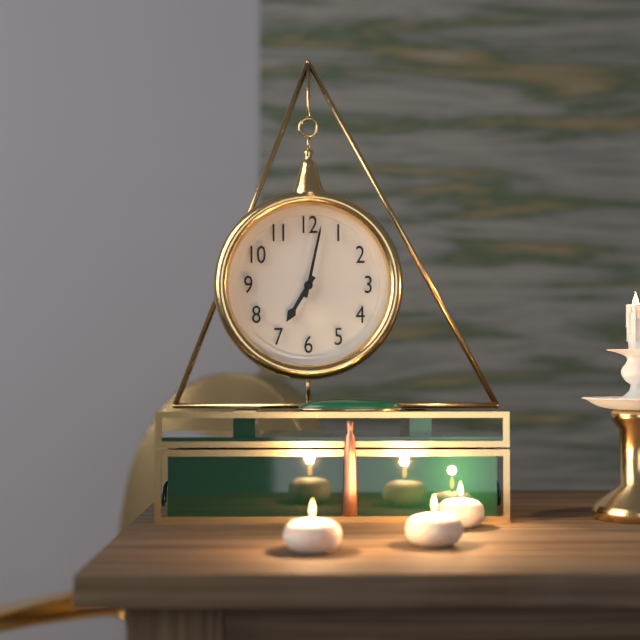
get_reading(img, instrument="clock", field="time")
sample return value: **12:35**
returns **7:02**
